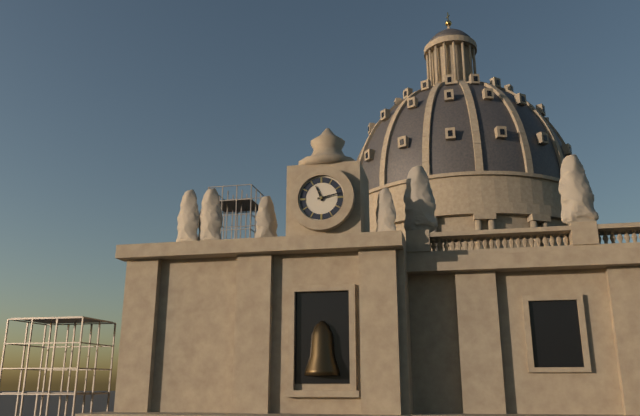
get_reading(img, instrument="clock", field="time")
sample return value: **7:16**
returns **11:13**
